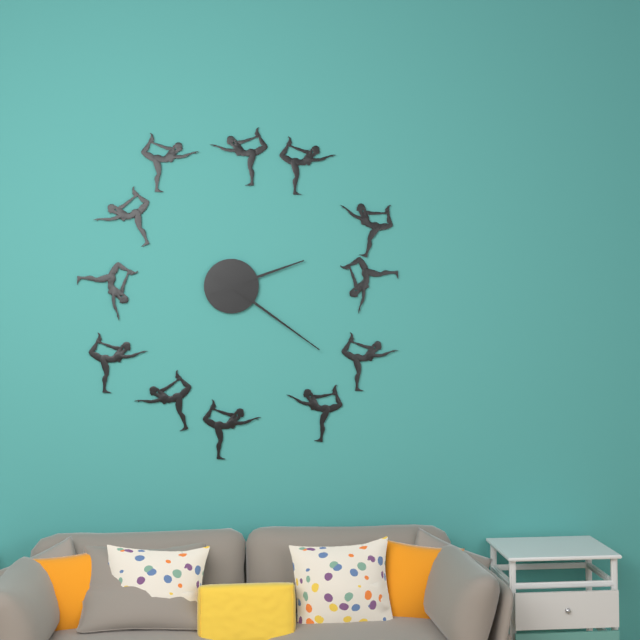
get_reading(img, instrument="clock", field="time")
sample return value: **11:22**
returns **2:21**
